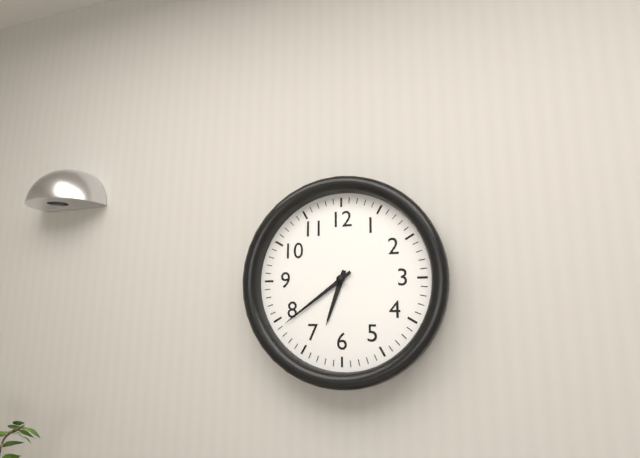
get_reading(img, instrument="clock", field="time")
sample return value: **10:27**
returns **6:39**
